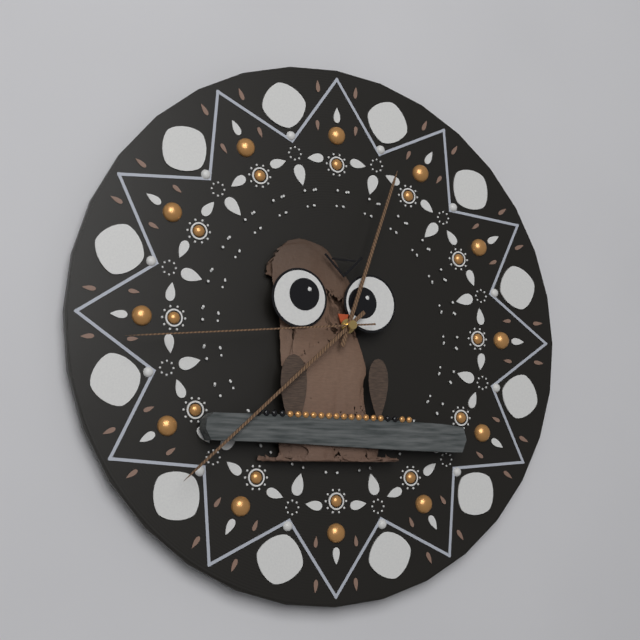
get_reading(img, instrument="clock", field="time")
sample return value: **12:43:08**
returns **12:38:44**
